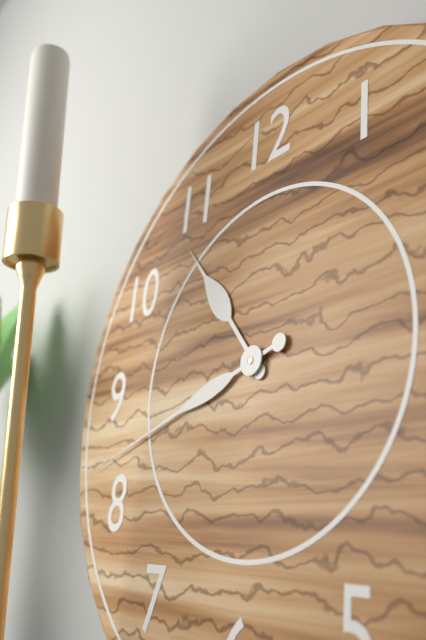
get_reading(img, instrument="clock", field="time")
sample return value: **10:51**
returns **10:42**
